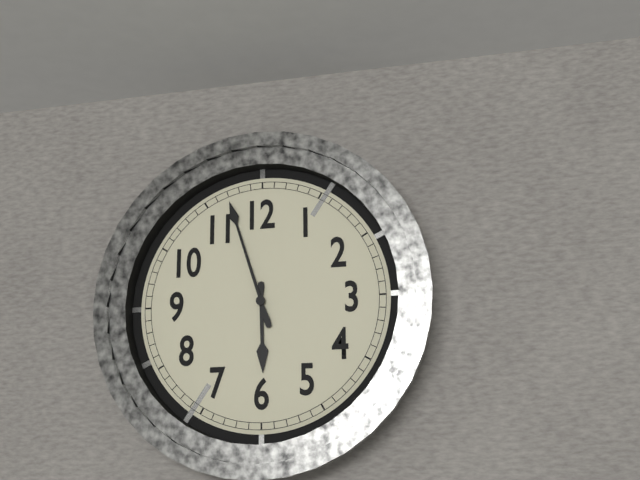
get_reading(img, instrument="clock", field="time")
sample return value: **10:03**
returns **5:57**
